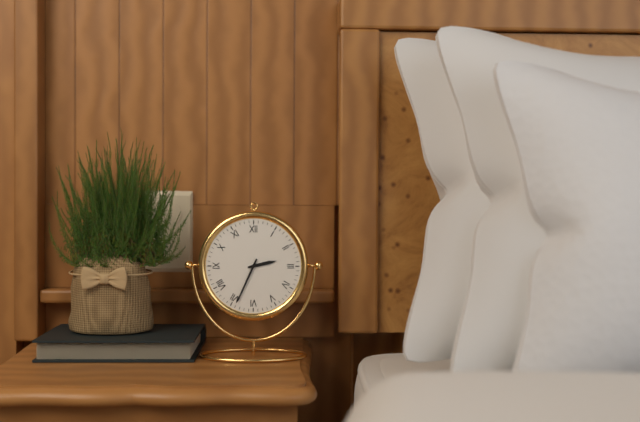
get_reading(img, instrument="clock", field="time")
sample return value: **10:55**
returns **2:34**
